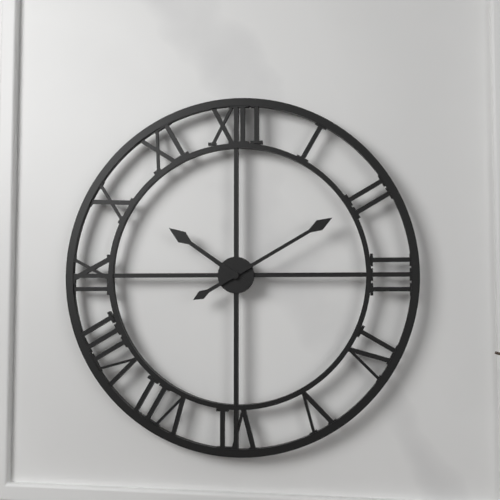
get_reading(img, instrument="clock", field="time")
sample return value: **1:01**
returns **10:10**
